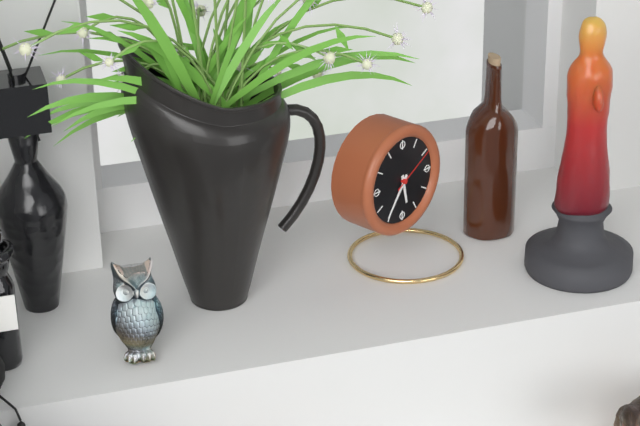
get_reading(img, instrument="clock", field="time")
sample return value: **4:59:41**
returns **5:36:10**
